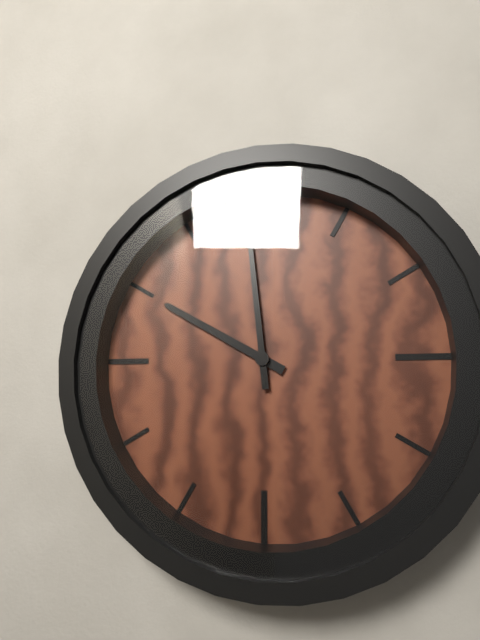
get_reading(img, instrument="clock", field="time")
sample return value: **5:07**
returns **9:59**
